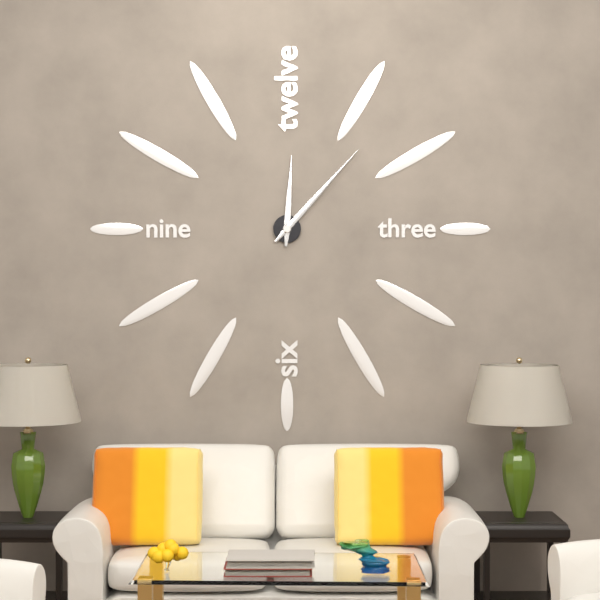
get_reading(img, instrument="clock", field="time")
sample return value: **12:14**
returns **12:07**
